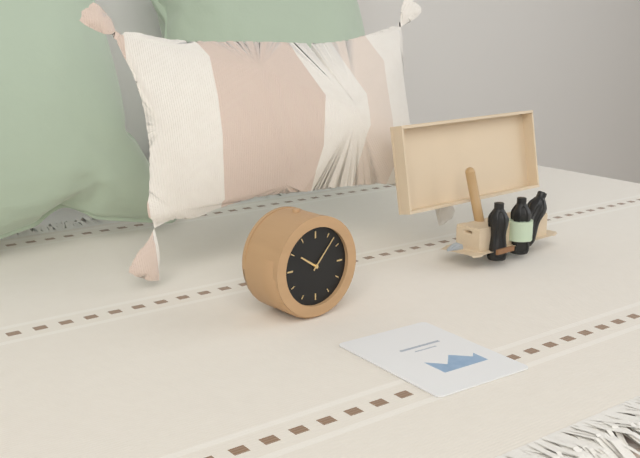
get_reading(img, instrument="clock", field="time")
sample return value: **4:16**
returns **10:07**
